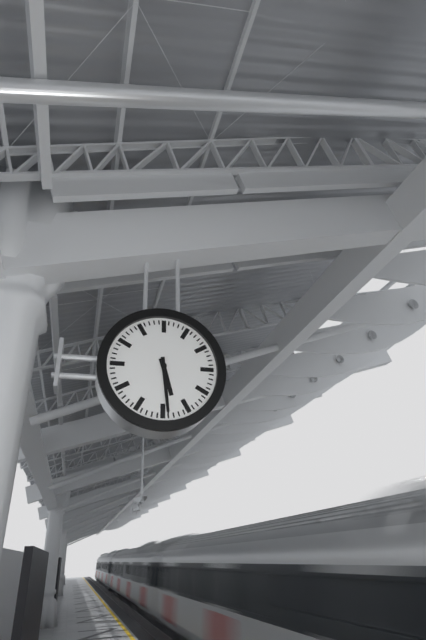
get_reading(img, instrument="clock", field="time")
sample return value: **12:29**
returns **5:29**
